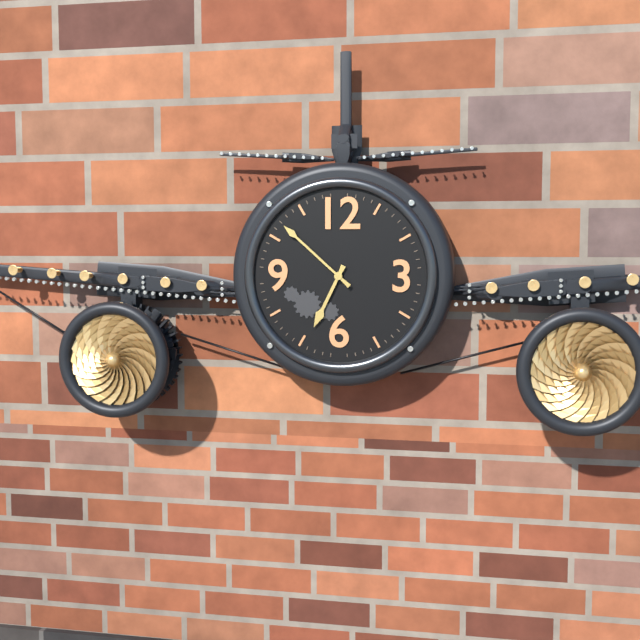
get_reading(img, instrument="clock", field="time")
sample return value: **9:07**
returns **6:52**
